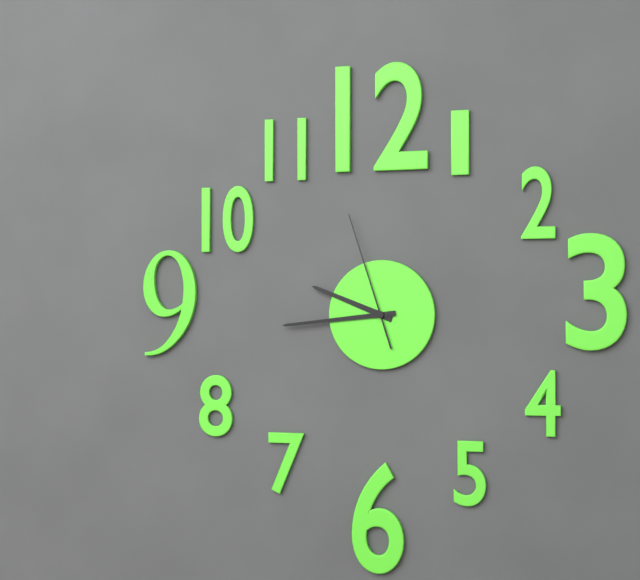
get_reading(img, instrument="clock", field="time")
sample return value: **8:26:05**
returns **9:44:57**
